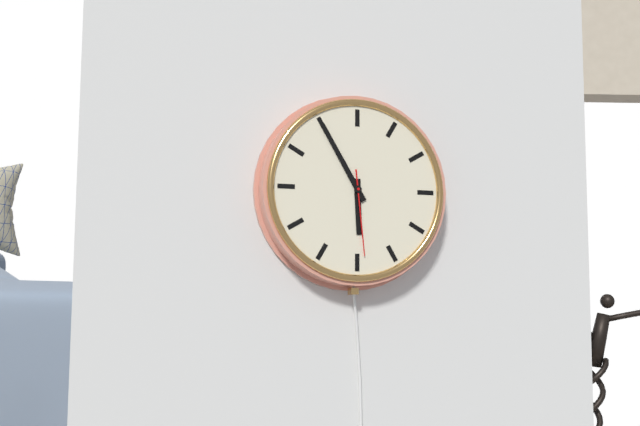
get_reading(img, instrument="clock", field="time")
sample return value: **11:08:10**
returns **5:55:29**
